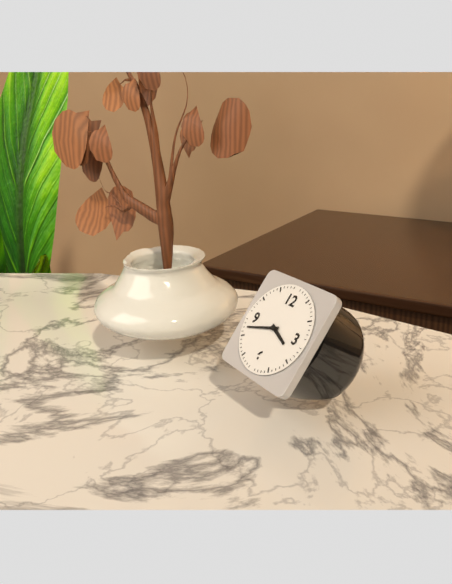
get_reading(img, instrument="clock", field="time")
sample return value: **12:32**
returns **3:42**
